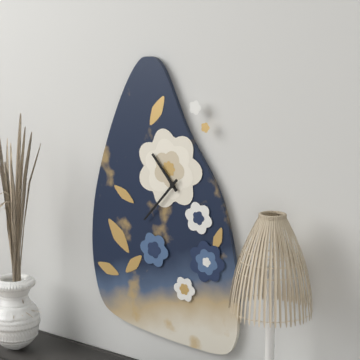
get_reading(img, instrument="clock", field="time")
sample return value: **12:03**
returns **10:37**
